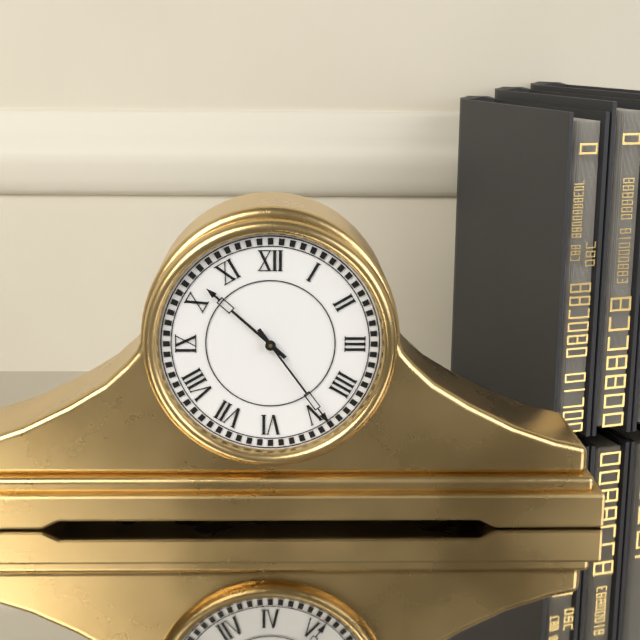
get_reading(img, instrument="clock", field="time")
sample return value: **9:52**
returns **10:24**
